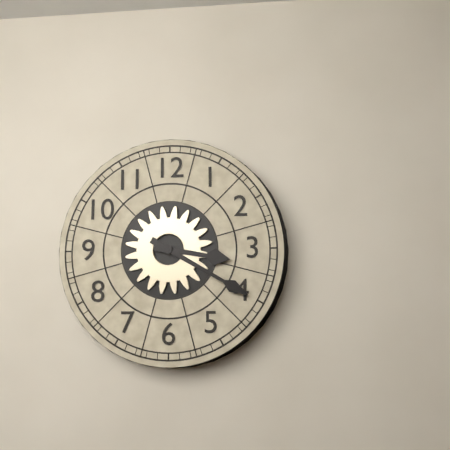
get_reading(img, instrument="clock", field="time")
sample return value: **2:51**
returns **3:20**
